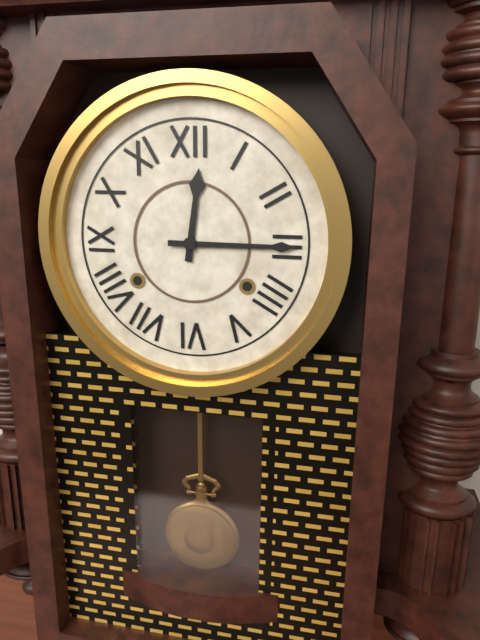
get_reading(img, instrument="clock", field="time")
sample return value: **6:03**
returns **12:15**
